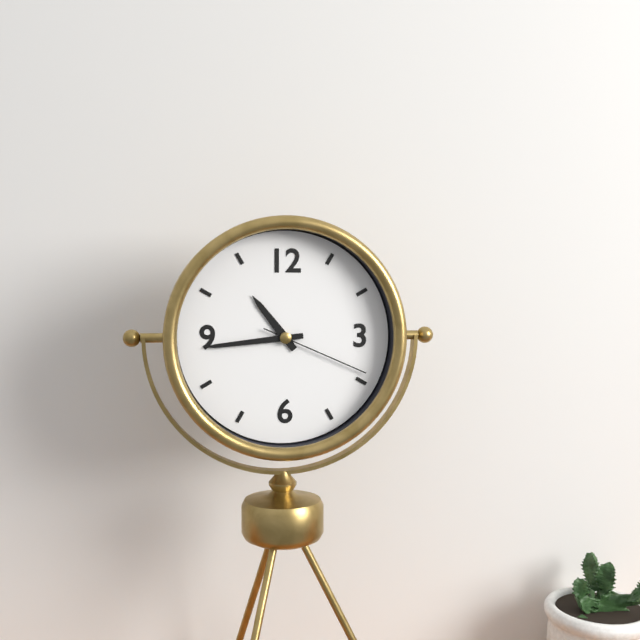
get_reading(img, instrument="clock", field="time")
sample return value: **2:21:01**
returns **10:44:19**
